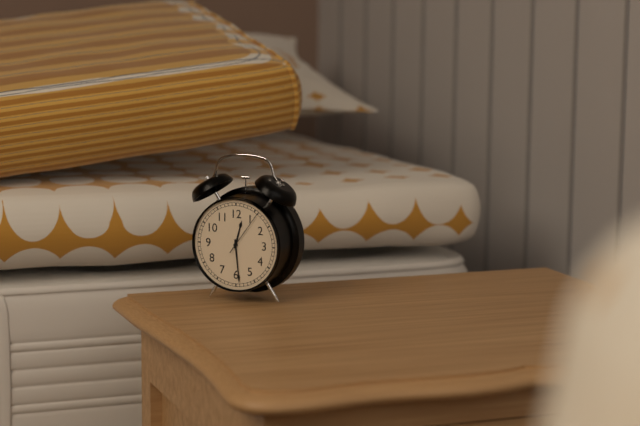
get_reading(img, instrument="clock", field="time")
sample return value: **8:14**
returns **12:29**
